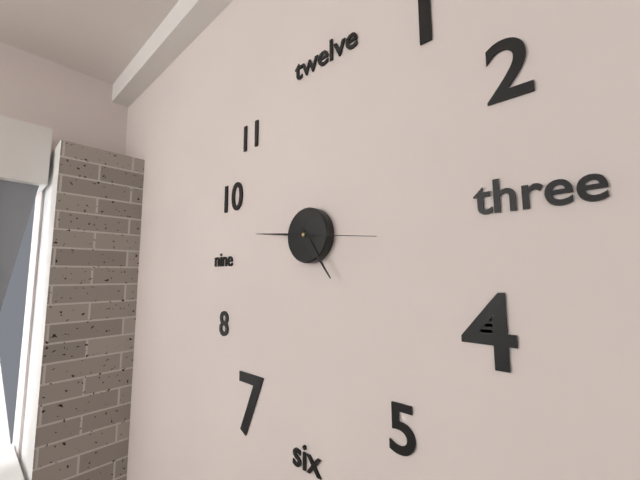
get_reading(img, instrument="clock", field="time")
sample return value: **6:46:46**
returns **4:46:16**
